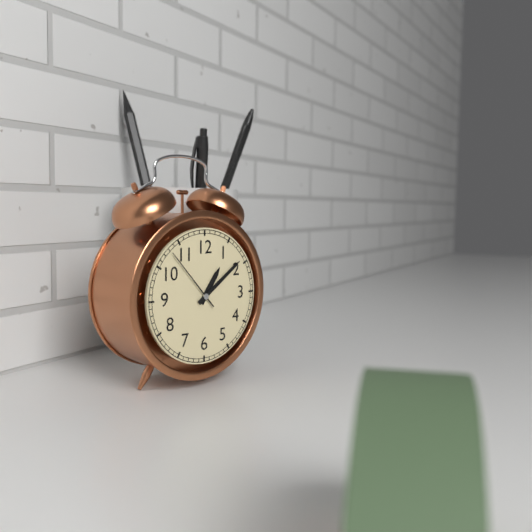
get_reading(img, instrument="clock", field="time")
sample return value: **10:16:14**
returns **1:09:53**
